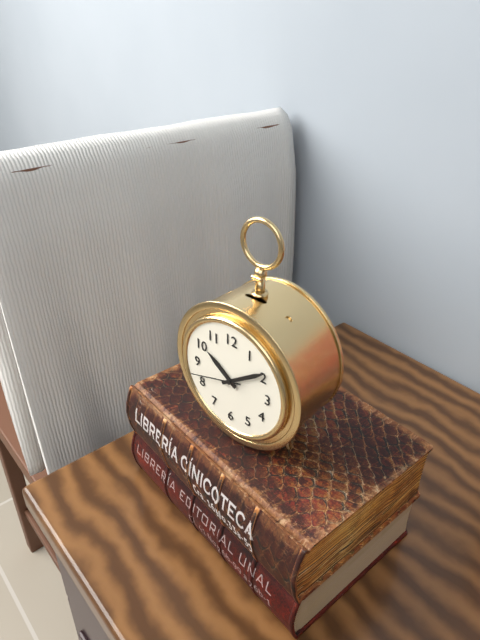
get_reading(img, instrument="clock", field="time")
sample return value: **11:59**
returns **10:09**
